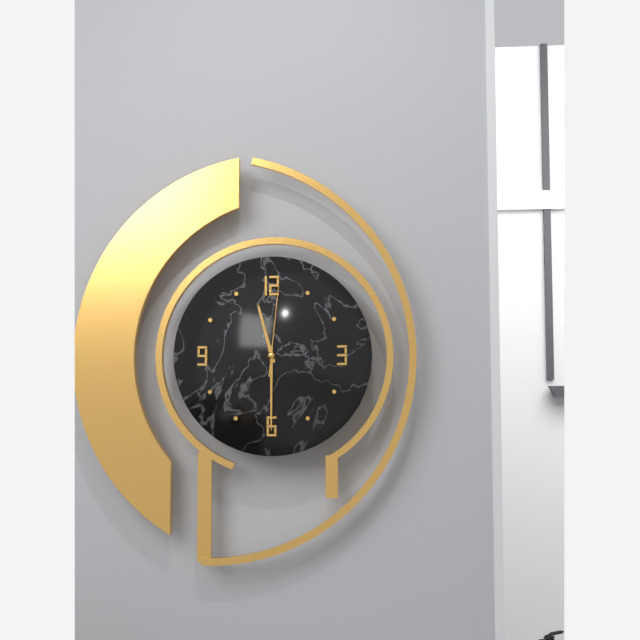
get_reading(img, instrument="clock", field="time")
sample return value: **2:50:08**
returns **11:30:01**
